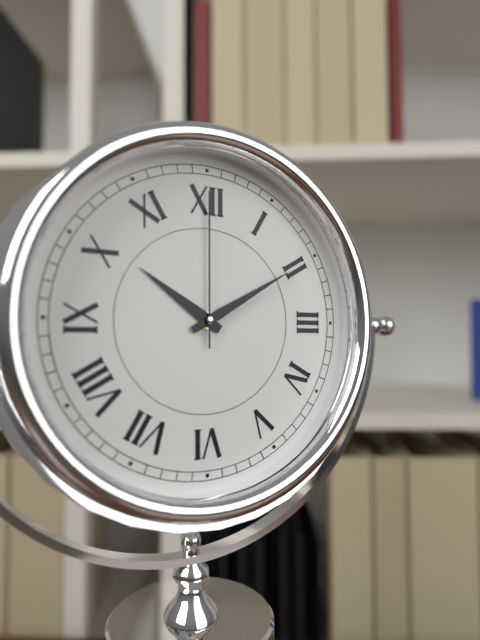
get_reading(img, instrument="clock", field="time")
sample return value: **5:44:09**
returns **10:10:00**
